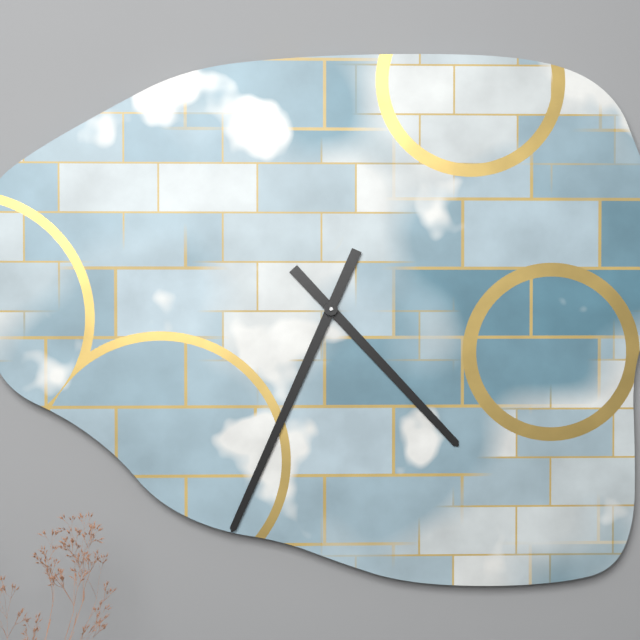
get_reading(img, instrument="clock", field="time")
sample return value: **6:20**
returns **4:34**
